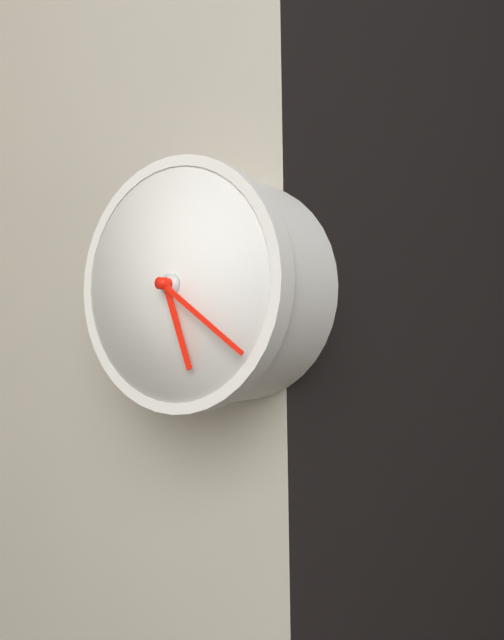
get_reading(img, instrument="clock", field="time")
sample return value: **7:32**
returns **5:21**
